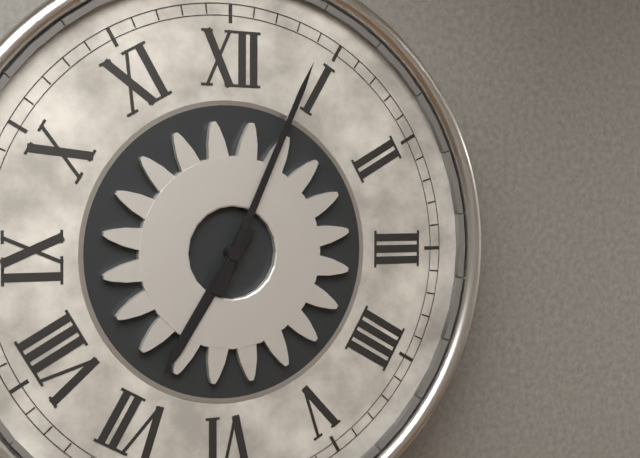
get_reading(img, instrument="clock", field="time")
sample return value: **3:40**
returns **7:04**
